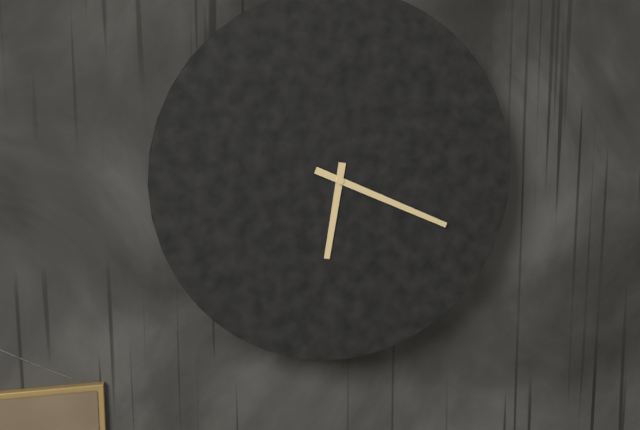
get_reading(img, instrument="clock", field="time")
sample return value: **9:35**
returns **6:19**
